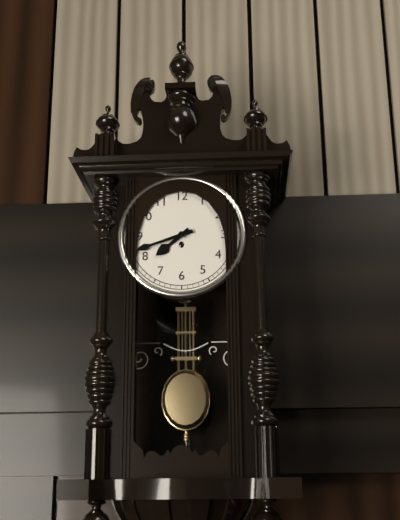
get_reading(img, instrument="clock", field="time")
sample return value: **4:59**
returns **7:42**
